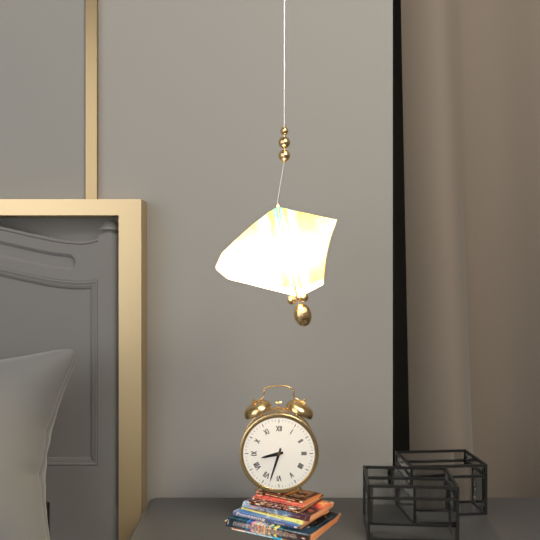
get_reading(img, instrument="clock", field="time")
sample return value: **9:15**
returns **8:33**
